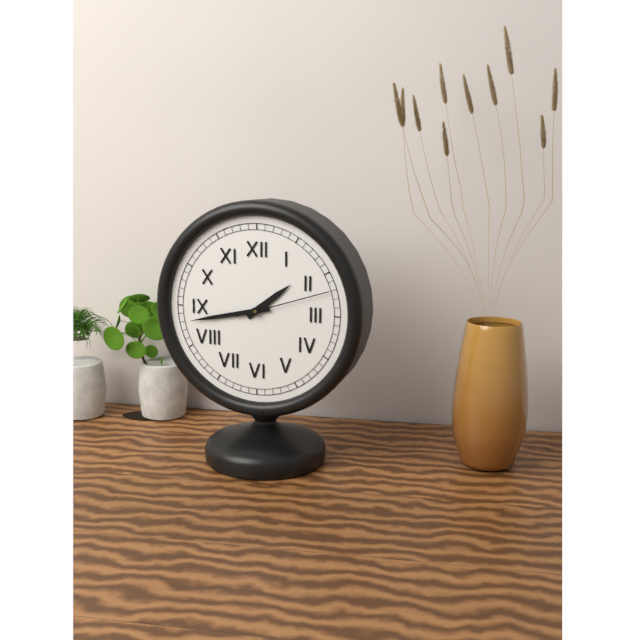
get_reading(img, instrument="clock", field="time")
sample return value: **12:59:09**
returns **1:43:12**
